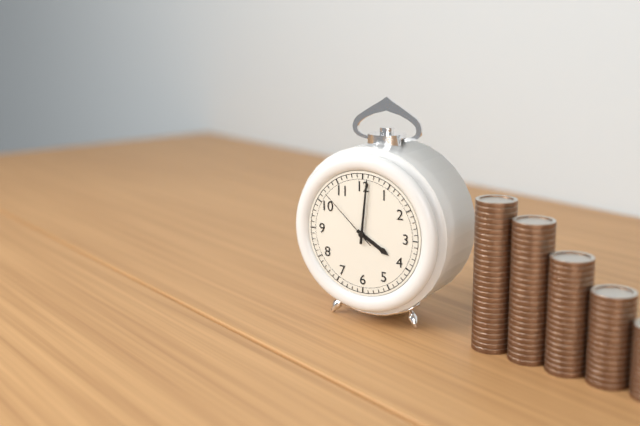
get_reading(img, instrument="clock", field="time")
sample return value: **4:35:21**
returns **4:01:52**
